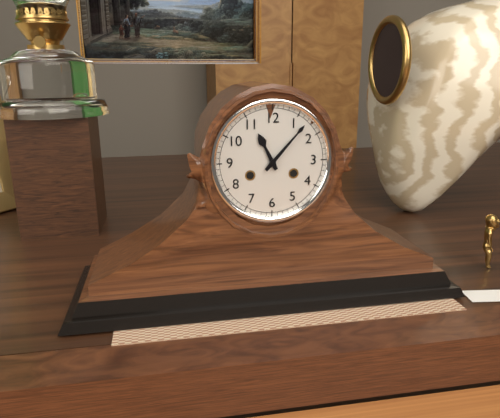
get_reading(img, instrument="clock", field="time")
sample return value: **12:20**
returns **11:07**
